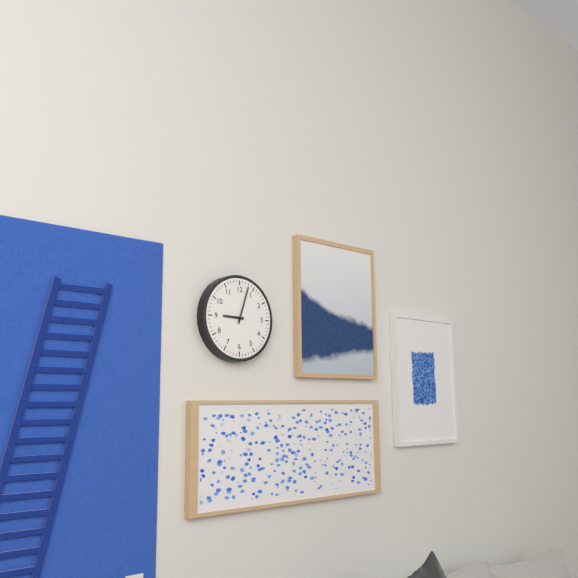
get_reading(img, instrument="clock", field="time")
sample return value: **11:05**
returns **9:03**
